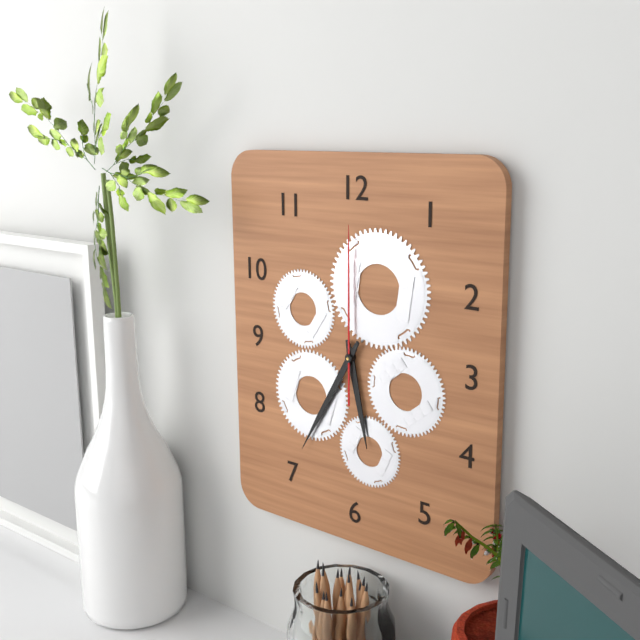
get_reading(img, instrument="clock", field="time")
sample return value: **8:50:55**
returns **5:35:00**
